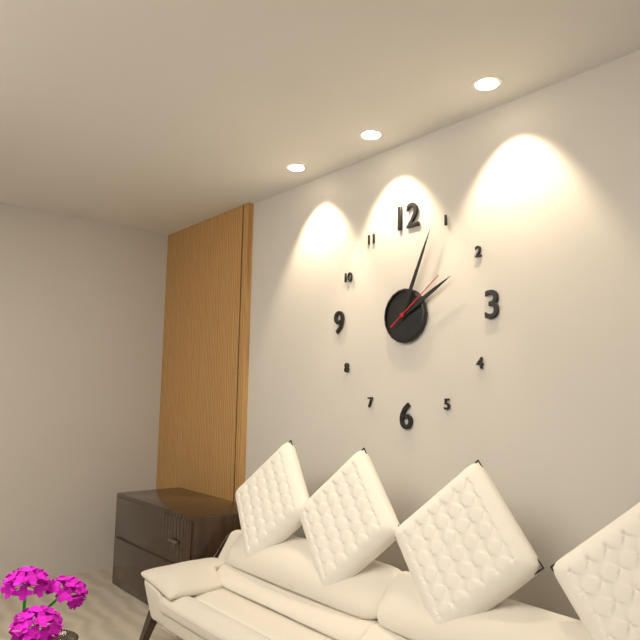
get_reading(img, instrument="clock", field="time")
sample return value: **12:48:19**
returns **2:04:09**
